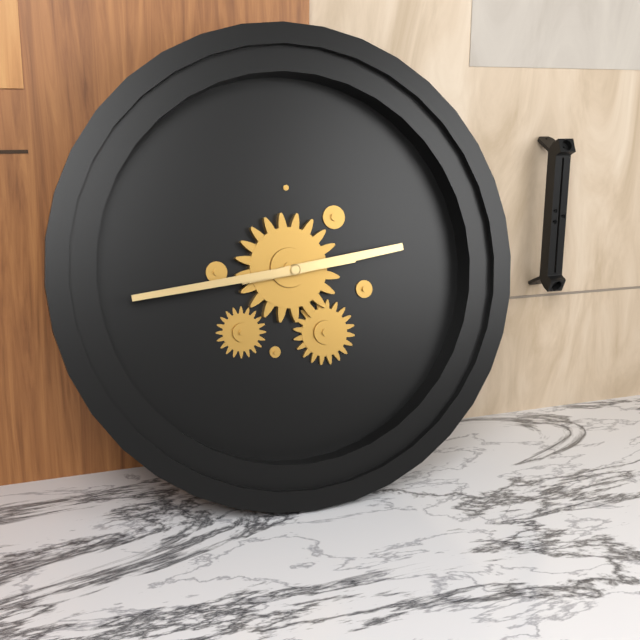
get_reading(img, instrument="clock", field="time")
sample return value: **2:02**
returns **2:44**
